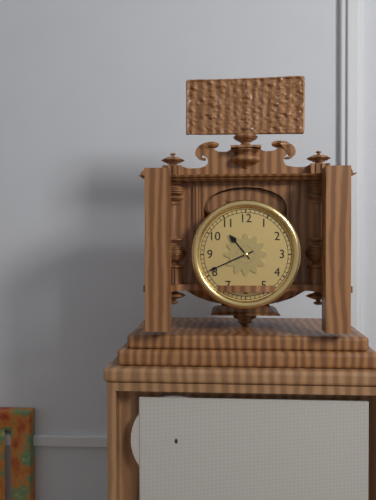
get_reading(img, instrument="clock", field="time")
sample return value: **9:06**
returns **10:41**
